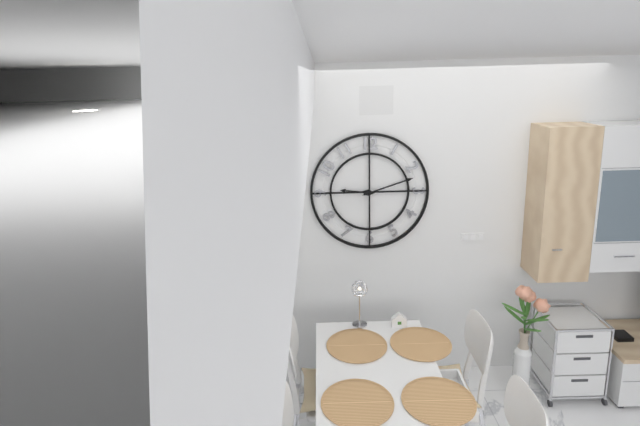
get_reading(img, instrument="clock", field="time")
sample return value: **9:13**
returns **9:12**
